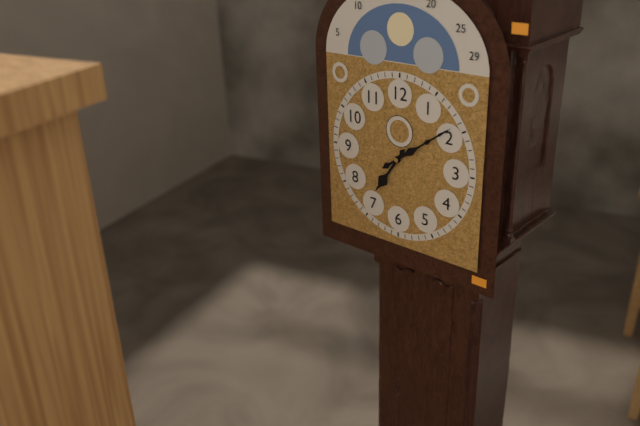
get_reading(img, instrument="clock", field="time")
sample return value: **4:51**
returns **7:09**
